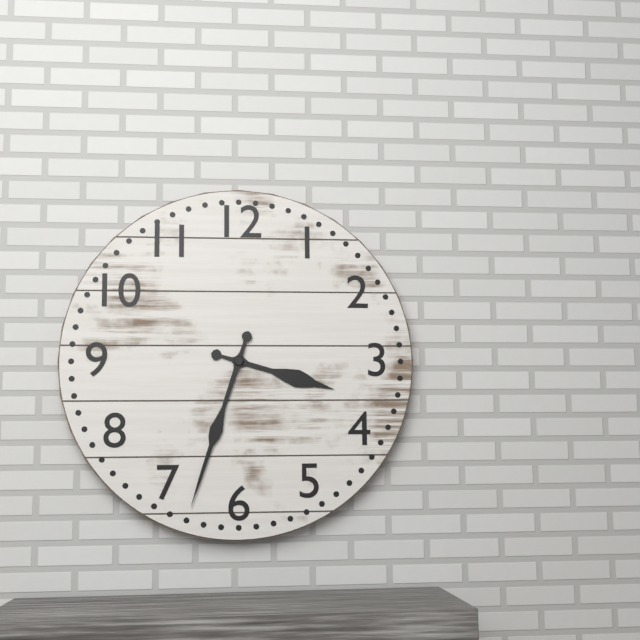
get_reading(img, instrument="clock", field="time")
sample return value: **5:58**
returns **3:33**
